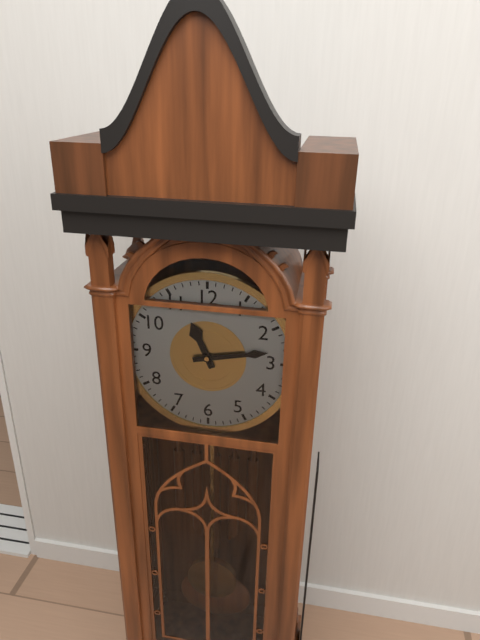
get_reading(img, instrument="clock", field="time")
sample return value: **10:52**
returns **11:13**
